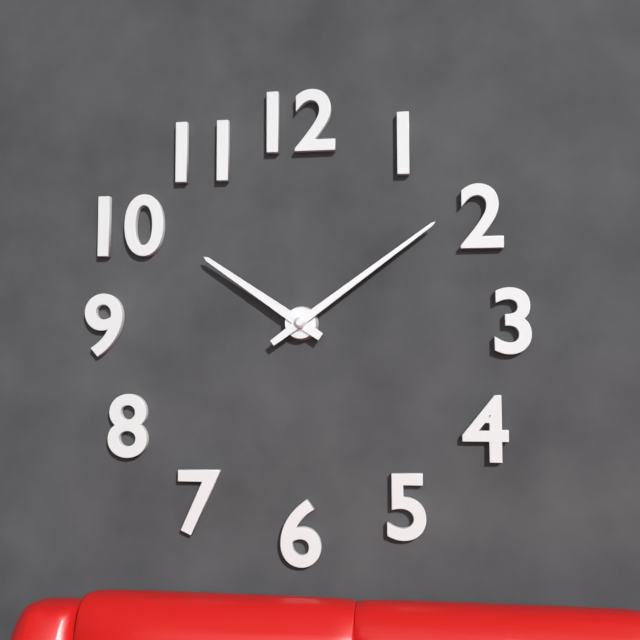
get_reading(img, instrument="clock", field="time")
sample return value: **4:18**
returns **10:09**
